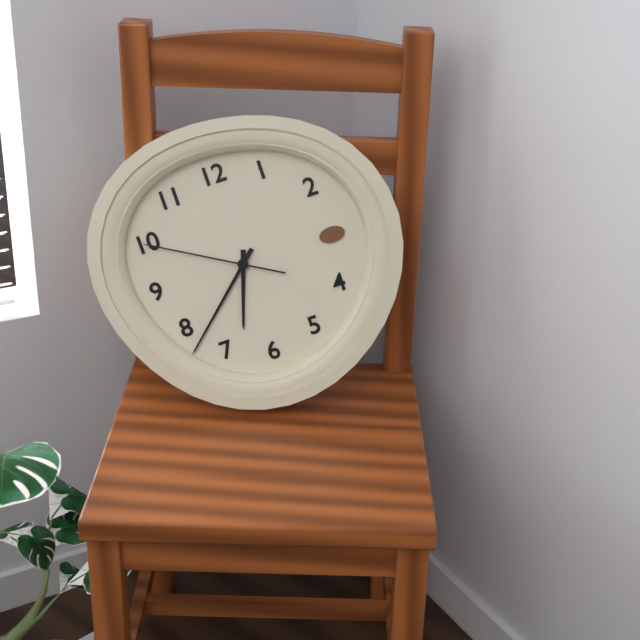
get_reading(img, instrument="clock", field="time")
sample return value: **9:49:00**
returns **6:38:50**
